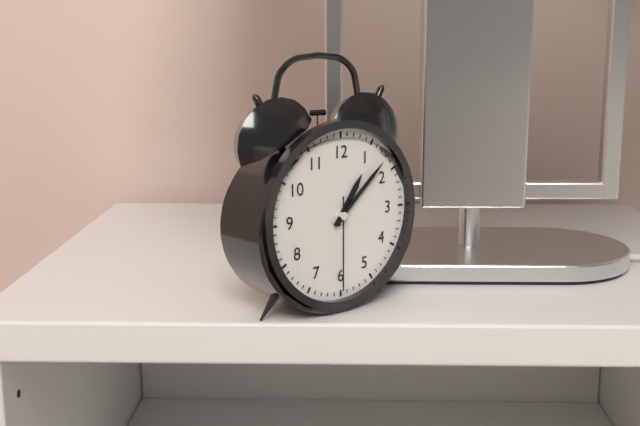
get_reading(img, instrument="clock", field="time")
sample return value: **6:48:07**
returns **1:08:30**
